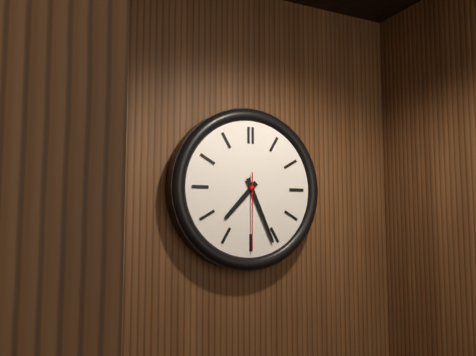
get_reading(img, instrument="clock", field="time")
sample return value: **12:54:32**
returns **7:26:30**
